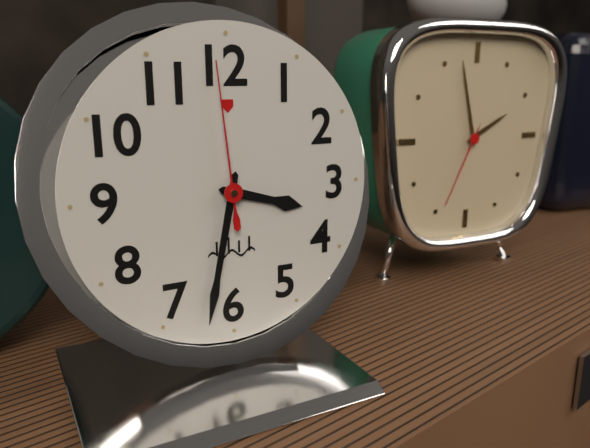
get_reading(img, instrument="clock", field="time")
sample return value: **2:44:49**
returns **3:32:59**
